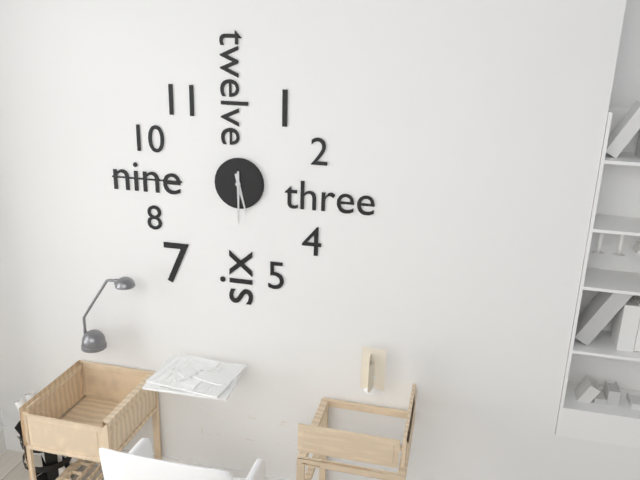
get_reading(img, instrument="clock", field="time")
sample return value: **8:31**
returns **5:30**
